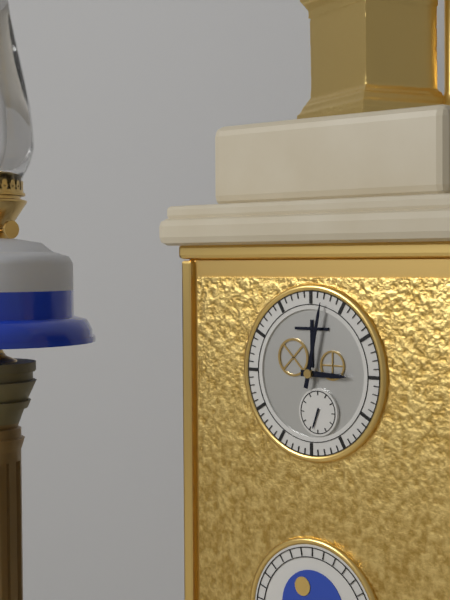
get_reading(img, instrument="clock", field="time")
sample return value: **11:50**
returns **3:02**
